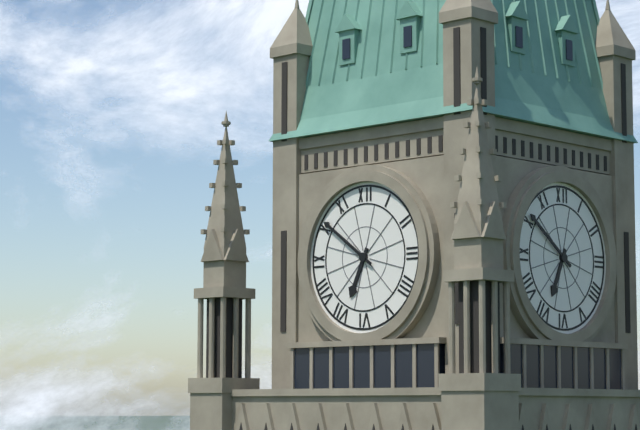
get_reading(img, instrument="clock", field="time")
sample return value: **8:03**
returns **6:51**
